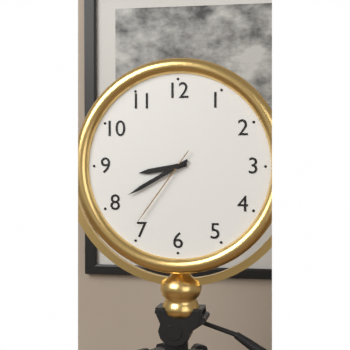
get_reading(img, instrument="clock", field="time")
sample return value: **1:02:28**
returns **8:40:36**
